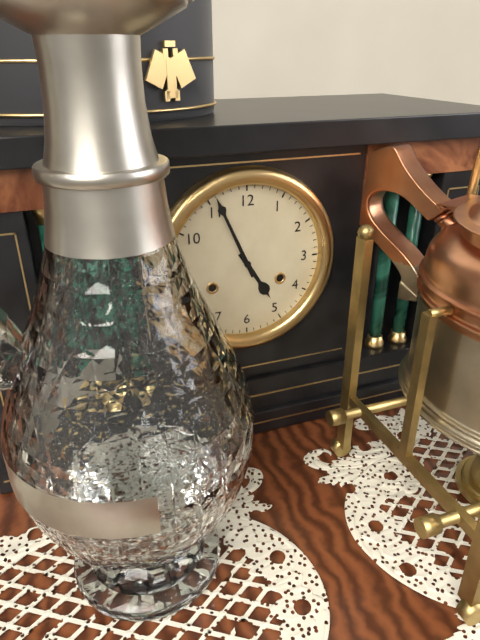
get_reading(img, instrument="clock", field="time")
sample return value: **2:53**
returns **4:56**
